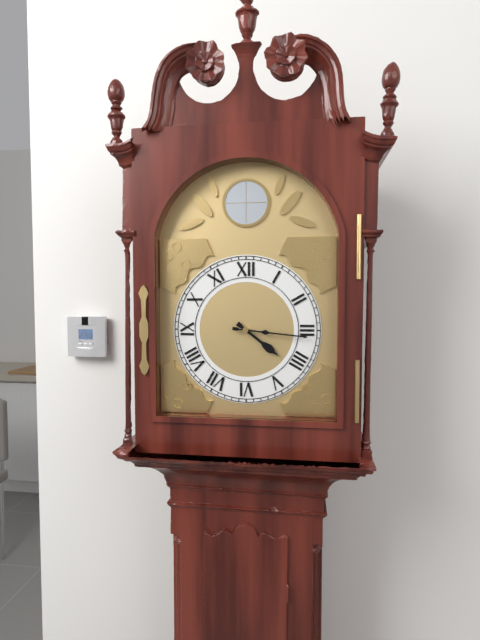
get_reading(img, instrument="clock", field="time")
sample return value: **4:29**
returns **4:16**
